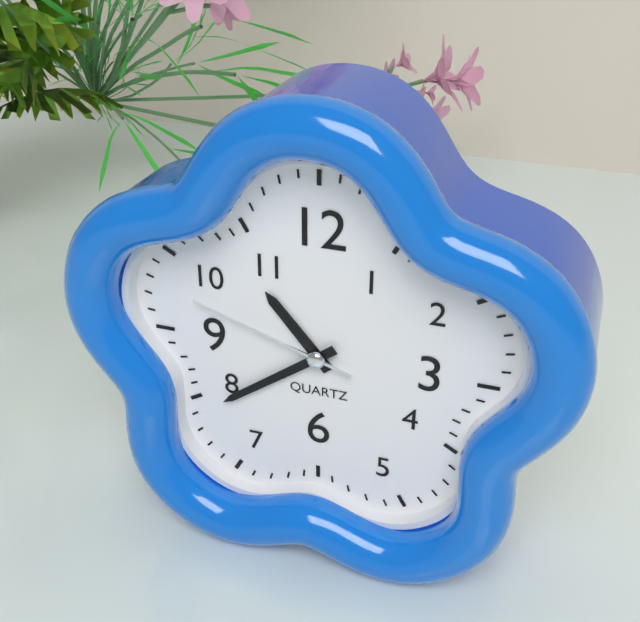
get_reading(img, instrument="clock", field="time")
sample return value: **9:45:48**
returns **10:39:48**
